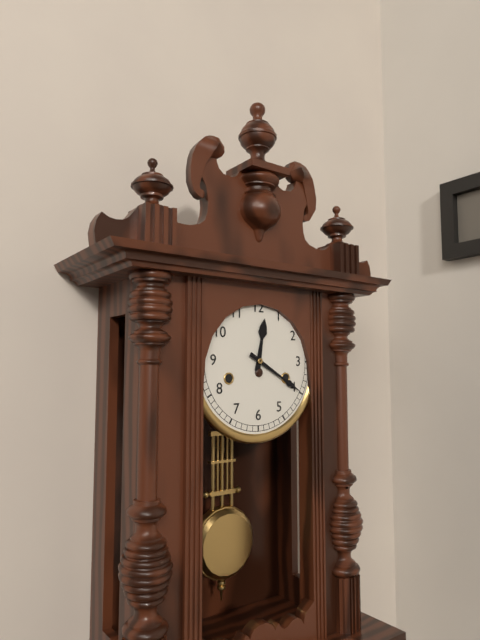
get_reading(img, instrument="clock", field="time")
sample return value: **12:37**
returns **12:20**
